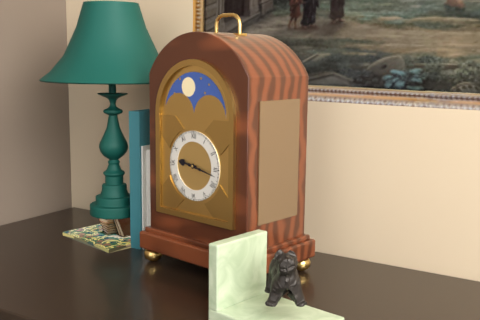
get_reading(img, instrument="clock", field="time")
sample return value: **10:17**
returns **9:17**
